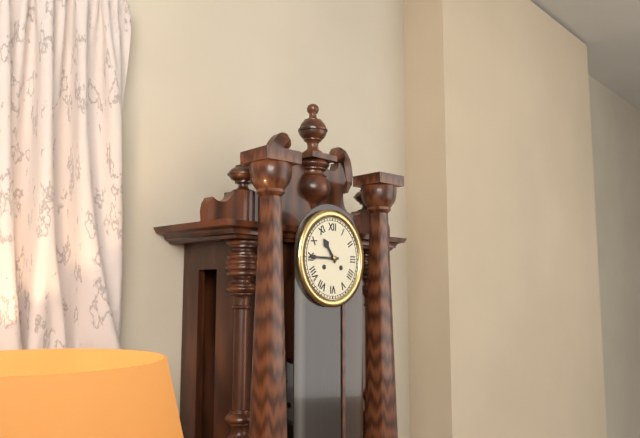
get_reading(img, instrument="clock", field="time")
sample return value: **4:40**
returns **10:45**
